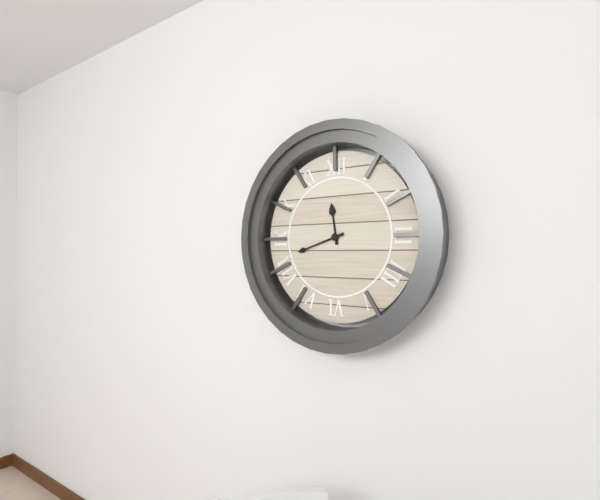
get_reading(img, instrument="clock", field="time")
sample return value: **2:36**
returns **11:42**
